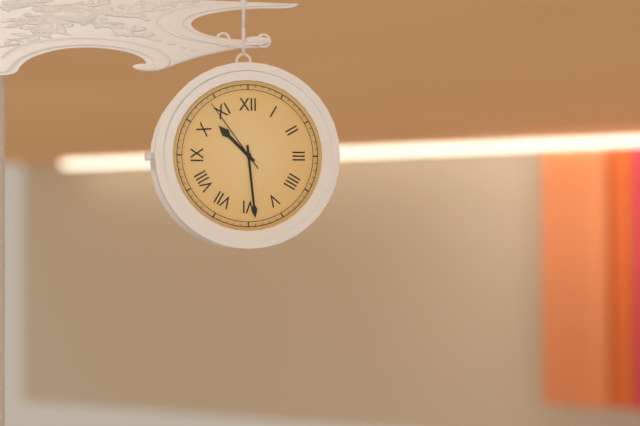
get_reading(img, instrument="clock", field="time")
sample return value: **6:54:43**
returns **10:29:54**
